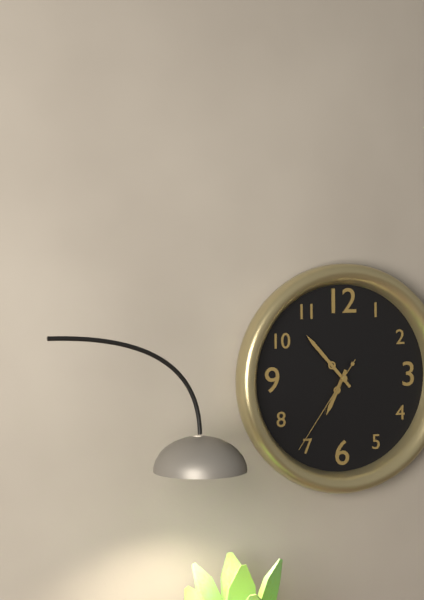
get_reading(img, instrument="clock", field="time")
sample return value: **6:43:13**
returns **6:53:36**
